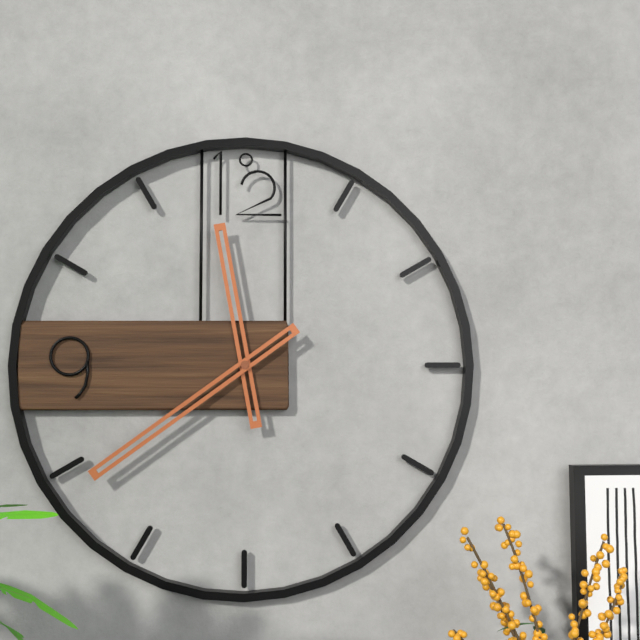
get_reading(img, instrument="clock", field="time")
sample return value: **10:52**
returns **11:39**
